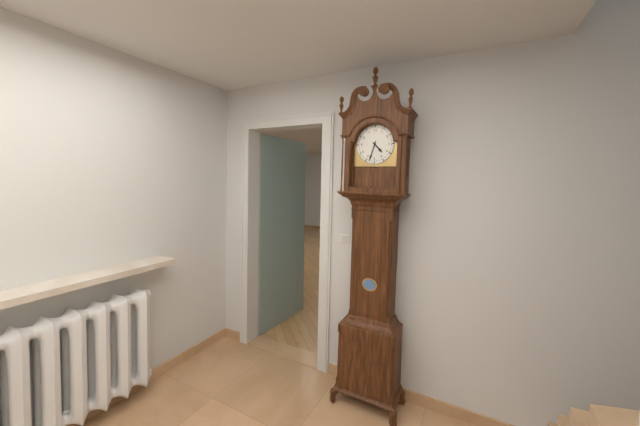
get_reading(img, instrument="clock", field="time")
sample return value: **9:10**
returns **4:33**
